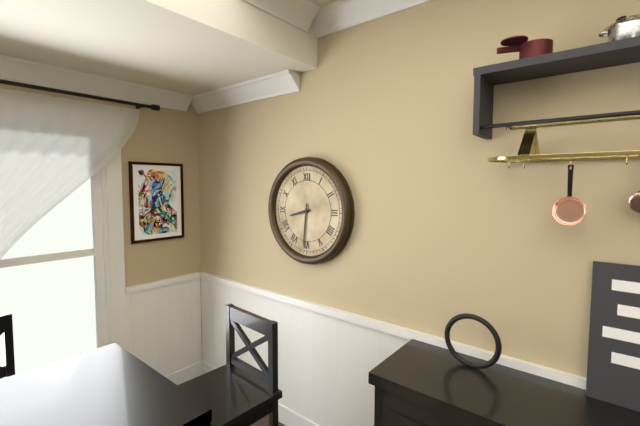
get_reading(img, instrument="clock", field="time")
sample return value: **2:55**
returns **8:31**
